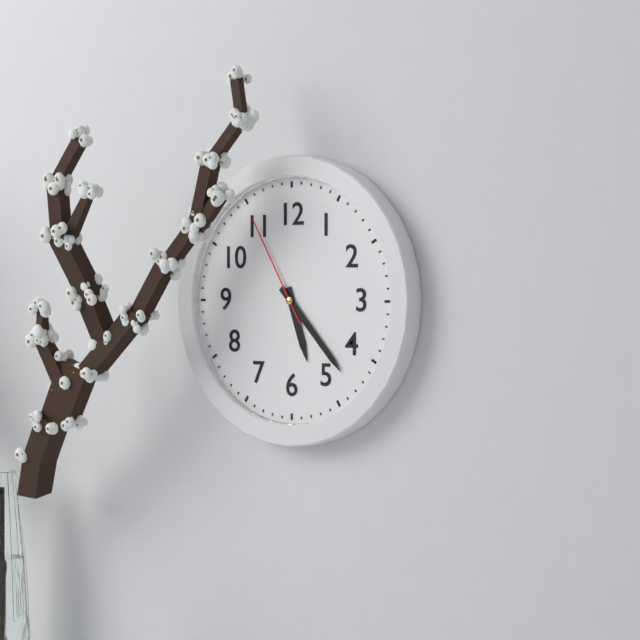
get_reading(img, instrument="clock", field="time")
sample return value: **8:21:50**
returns **5:23:55**
